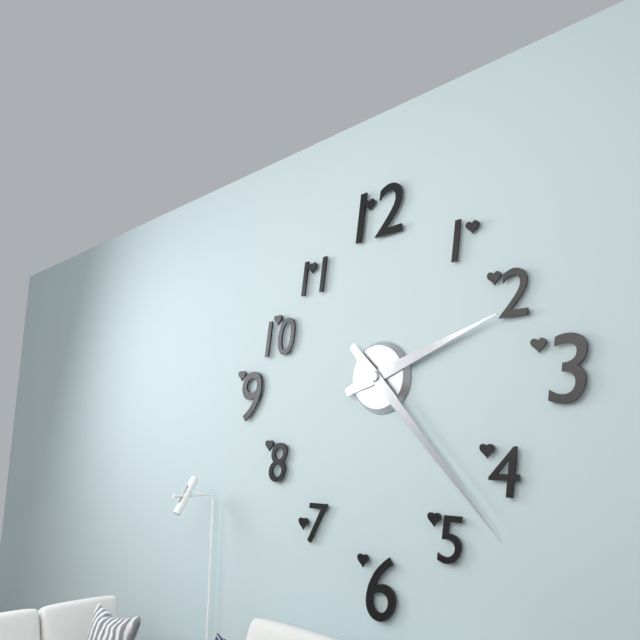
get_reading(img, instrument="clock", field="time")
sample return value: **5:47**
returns **2:23**
